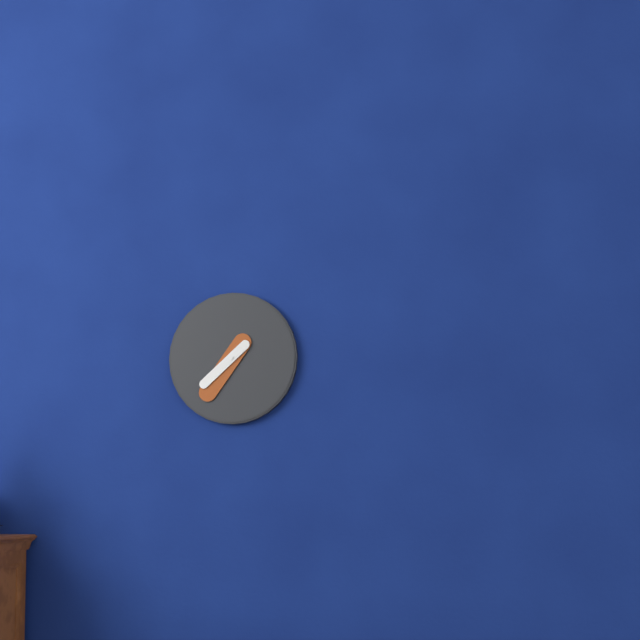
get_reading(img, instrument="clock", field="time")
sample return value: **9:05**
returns **7:36**
